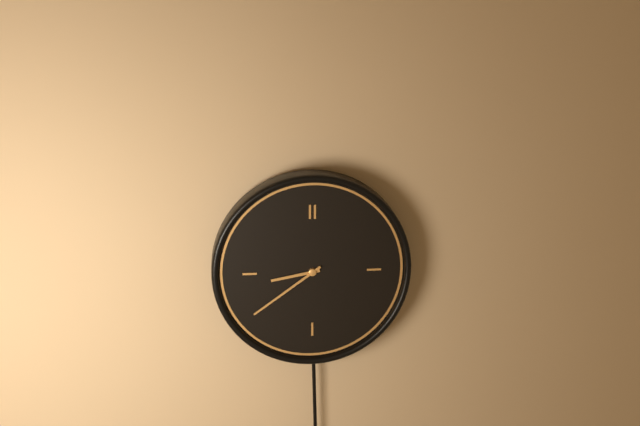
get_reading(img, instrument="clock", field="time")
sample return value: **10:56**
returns **8:39**
